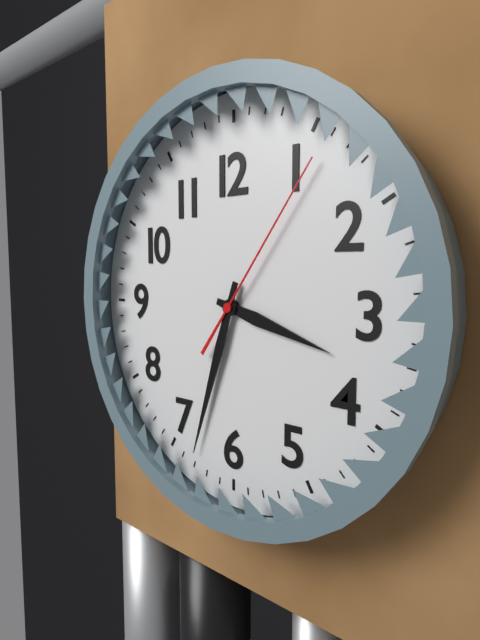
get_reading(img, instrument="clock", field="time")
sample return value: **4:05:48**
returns **3:33:06**
